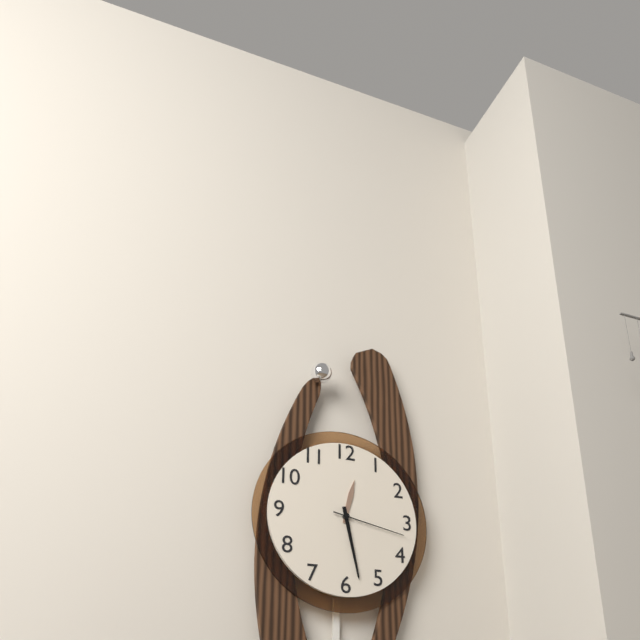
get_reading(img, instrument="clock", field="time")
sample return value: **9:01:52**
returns **12:28:17**
